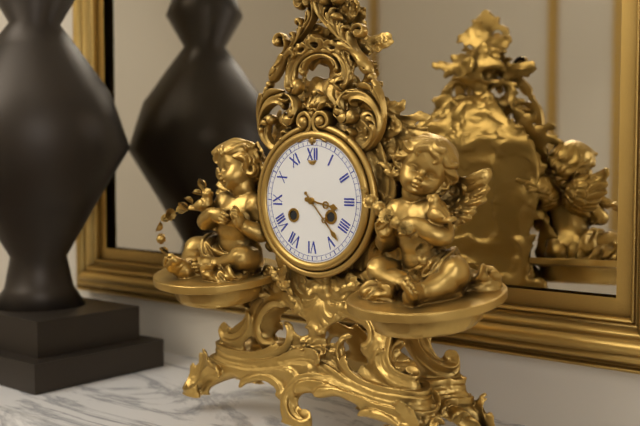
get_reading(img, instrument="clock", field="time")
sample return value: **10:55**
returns **3:23**
